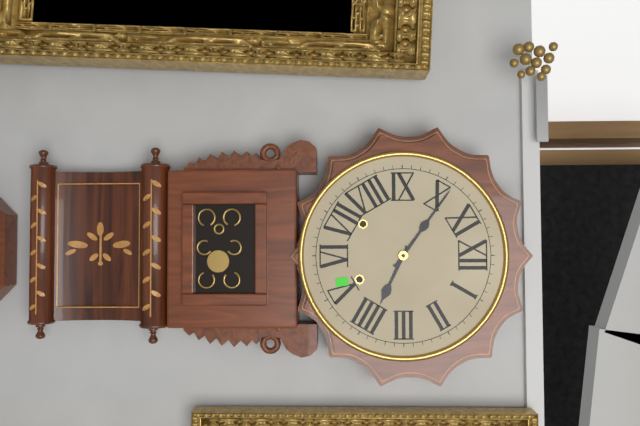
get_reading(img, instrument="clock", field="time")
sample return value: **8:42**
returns **3:51**
